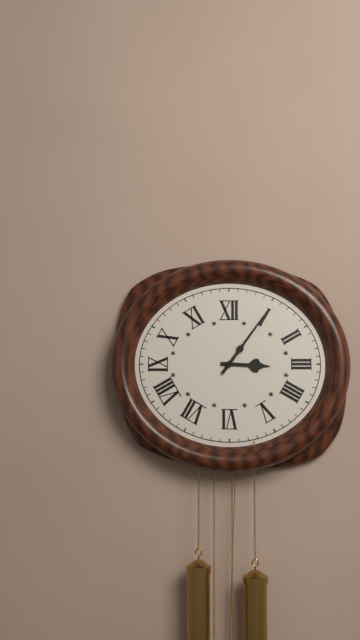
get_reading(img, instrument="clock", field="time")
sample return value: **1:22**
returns **3:06**
